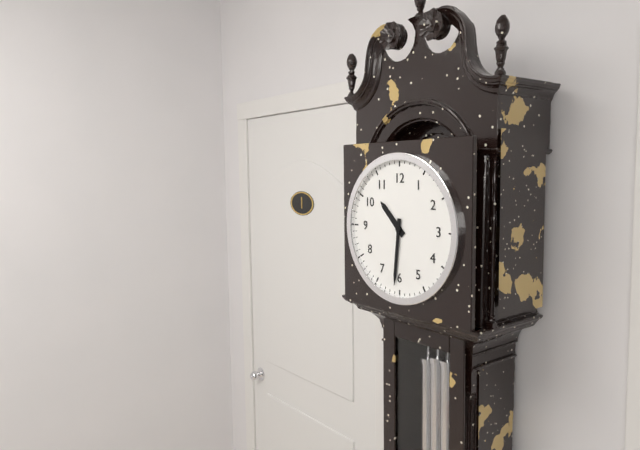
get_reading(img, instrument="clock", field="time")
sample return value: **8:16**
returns **10:31**
